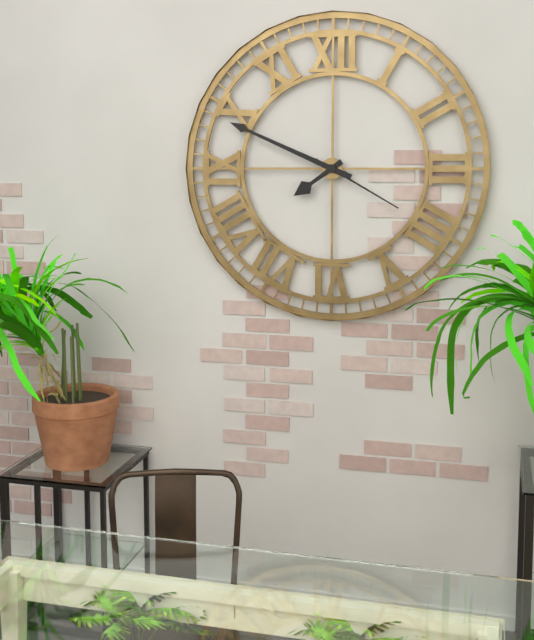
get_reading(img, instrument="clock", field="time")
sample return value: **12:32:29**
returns **7:49:20**
